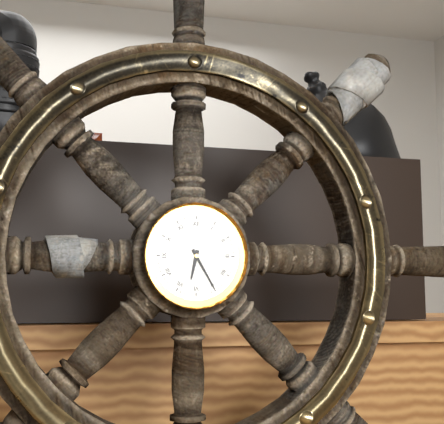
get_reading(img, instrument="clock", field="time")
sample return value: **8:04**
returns **6:25**
